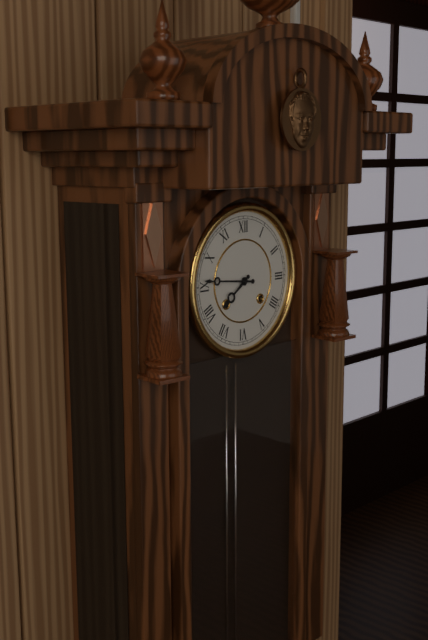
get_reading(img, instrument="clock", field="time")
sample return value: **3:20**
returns **7:46**
